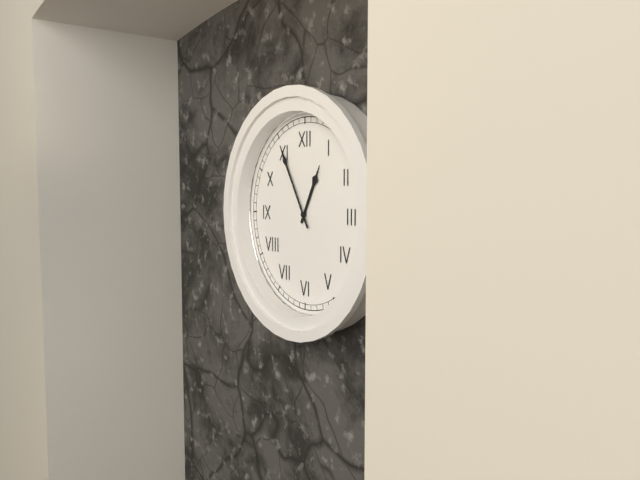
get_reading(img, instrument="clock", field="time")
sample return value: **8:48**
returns **12:55**
